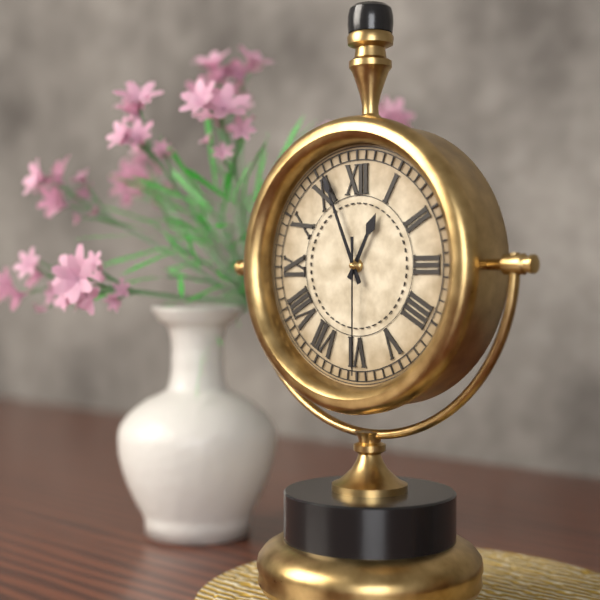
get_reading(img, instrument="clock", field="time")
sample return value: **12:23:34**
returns **12:56:30**
